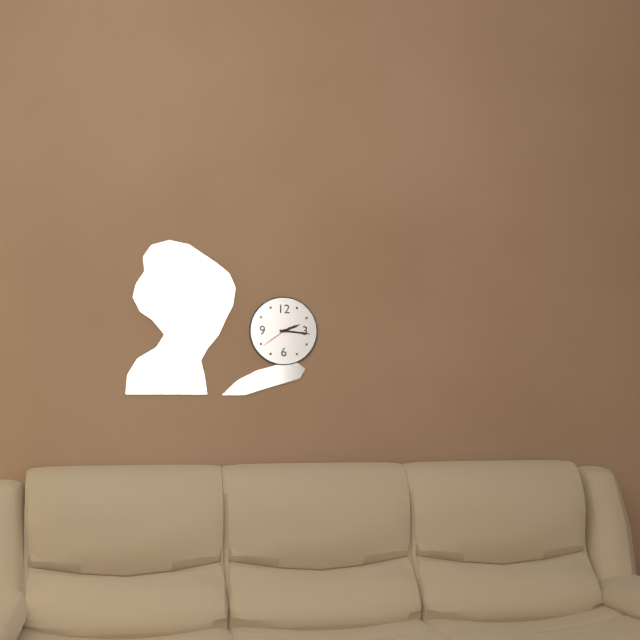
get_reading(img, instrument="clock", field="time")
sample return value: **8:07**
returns **2:16**
